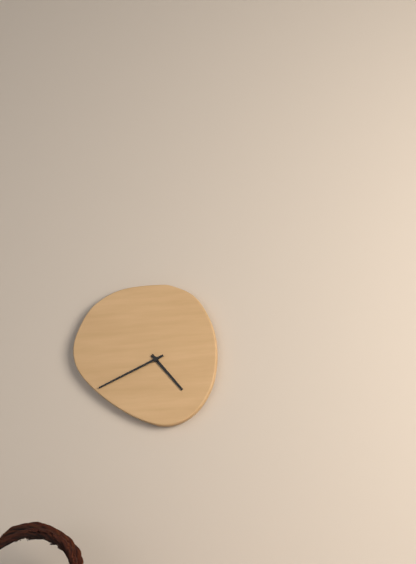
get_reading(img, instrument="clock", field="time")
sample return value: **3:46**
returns **4:41**
